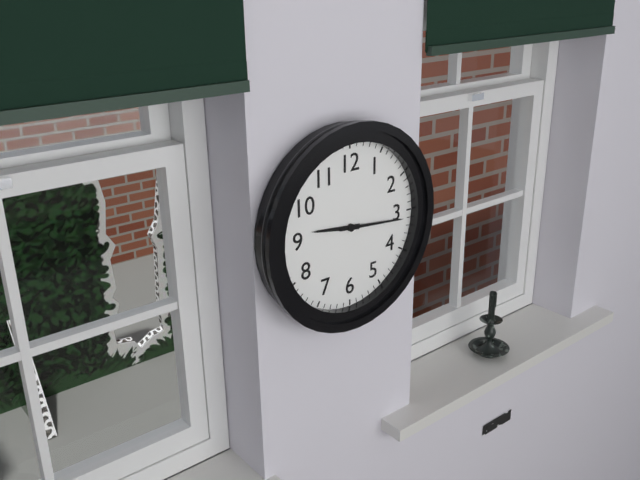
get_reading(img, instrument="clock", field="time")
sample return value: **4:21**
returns **9:16**
